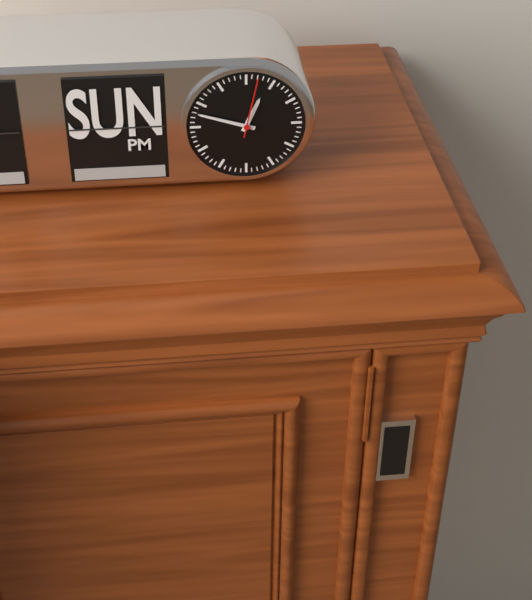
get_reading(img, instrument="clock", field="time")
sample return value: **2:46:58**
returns **12:48:02**
